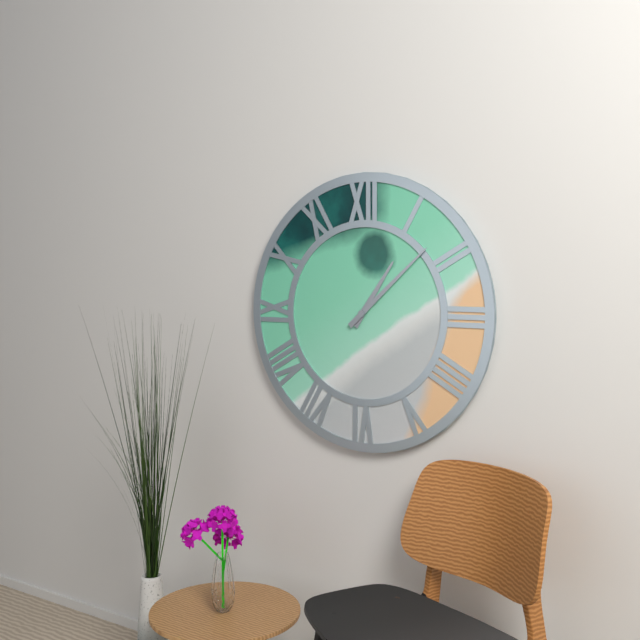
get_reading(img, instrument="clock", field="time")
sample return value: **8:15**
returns **1:08**
